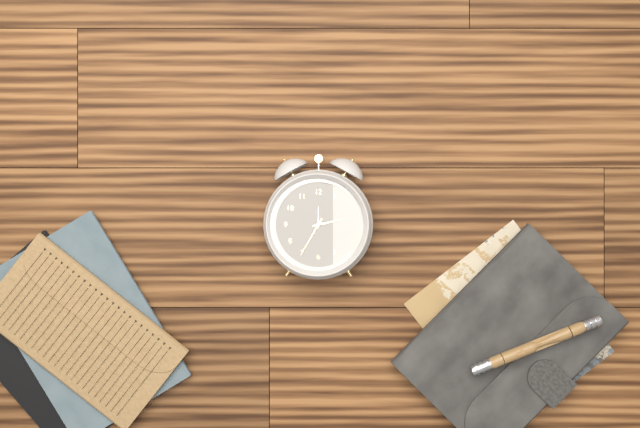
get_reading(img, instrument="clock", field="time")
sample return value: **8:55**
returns **2:35**
